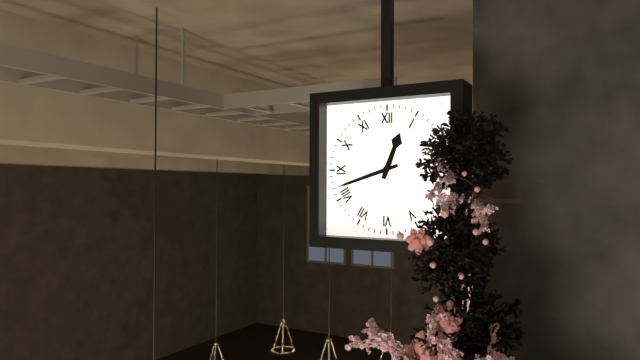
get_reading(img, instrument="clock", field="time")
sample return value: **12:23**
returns **12:42**
